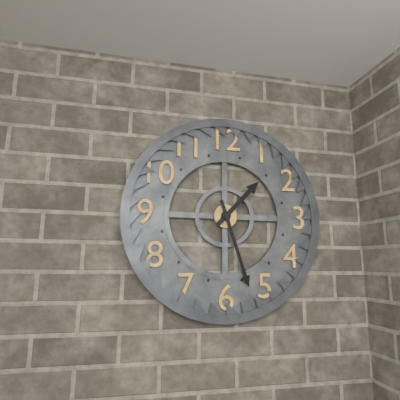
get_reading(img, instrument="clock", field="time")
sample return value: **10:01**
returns **1:27**
